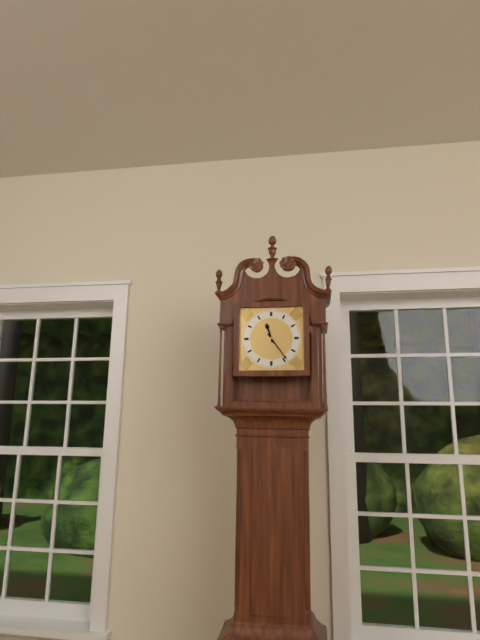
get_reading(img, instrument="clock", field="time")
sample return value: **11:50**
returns **11:24**
